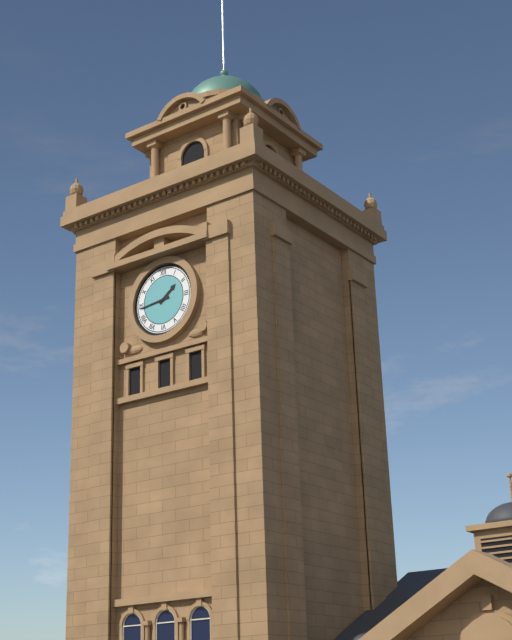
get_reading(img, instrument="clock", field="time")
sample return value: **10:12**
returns **1:44**
